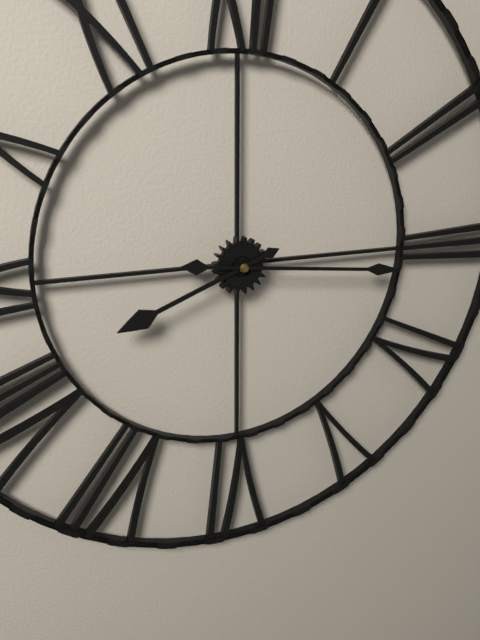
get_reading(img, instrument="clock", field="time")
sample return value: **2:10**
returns **8:16**
